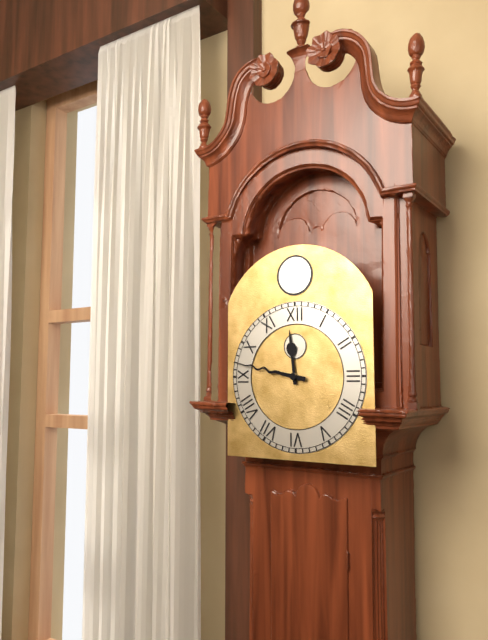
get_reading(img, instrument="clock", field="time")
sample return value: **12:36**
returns **11:47**
